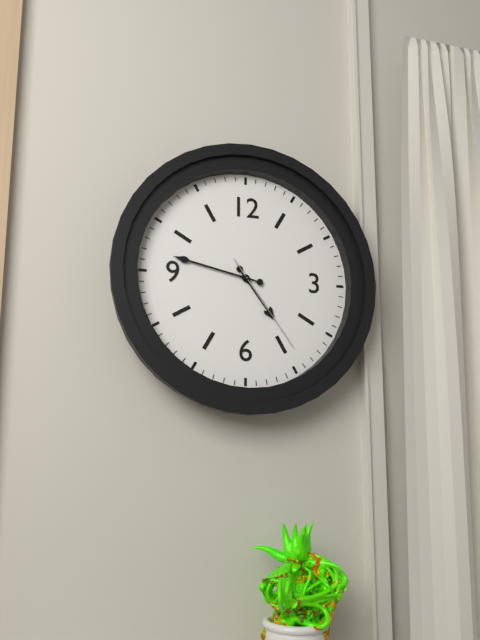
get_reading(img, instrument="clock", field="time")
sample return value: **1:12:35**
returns **4:47:24**
